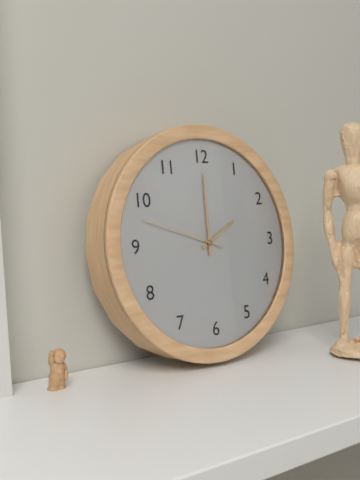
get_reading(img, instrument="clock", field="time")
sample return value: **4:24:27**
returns **2:00:48**
